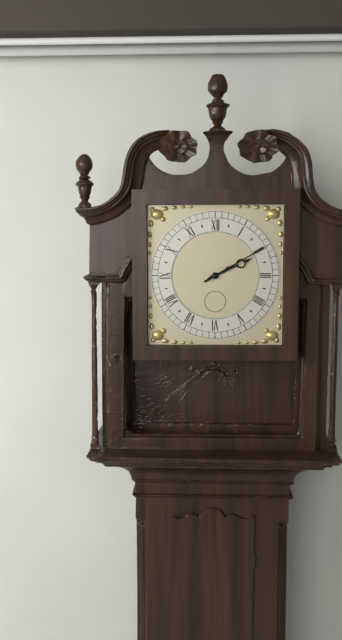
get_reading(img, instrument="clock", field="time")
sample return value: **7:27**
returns **2:10**
